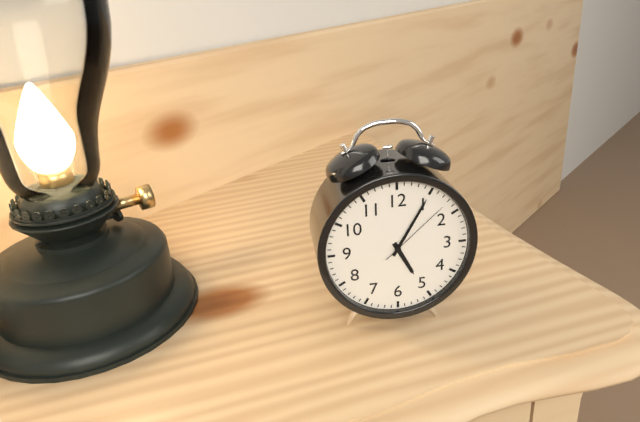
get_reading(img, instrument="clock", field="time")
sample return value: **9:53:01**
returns **5:05:08**
